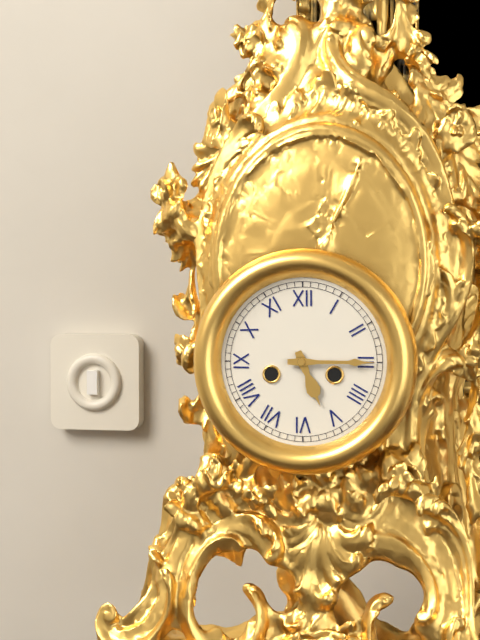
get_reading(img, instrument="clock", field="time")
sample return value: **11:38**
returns **5:15**
